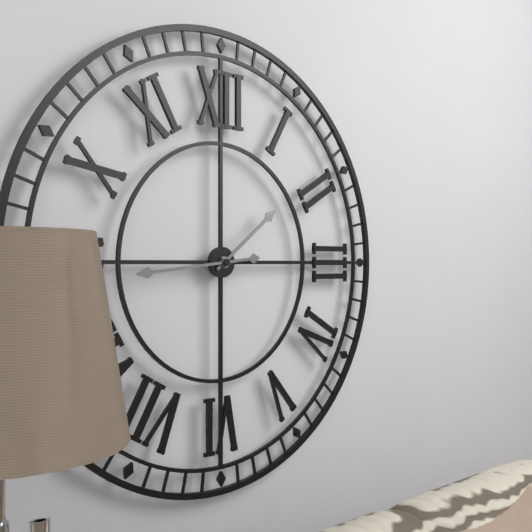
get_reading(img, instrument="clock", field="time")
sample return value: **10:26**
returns **1:44**
